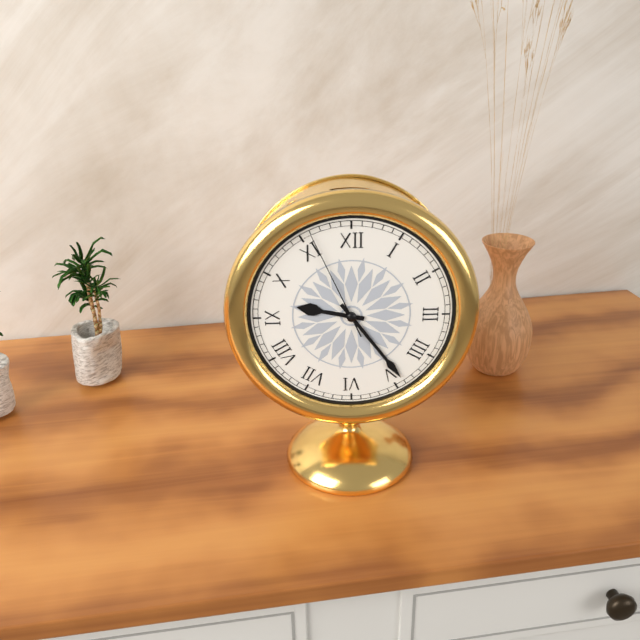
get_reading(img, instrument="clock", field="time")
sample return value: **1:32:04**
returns **9:24:56**
